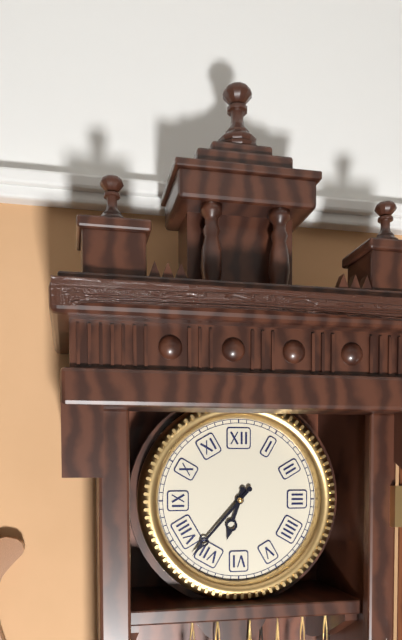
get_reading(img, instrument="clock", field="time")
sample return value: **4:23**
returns **6:37**
